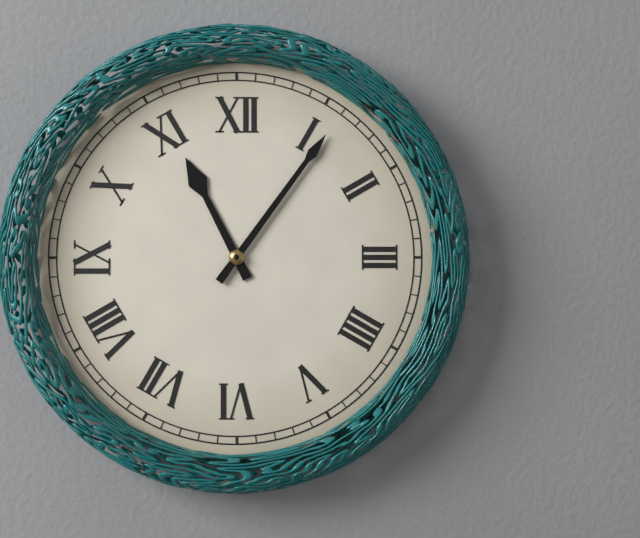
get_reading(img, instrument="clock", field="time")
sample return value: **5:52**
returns **11:06**
